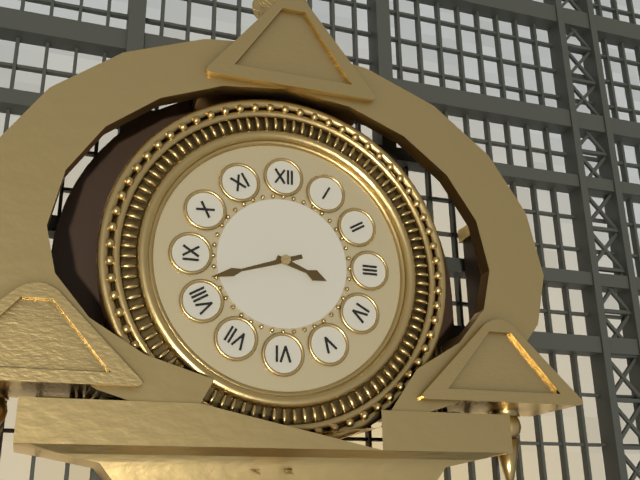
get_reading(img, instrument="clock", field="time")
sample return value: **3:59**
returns **3:42**
